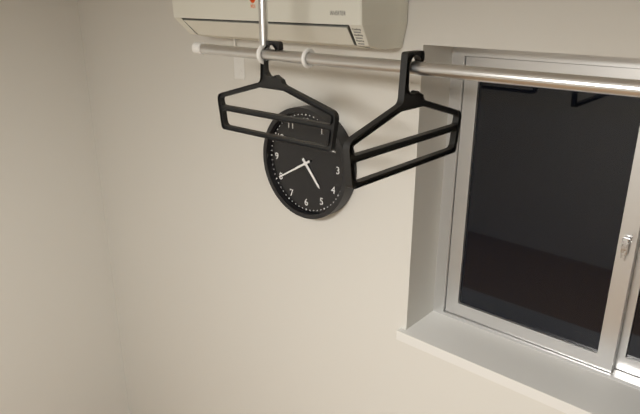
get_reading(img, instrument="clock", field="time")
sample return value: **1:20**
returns **4:40**
